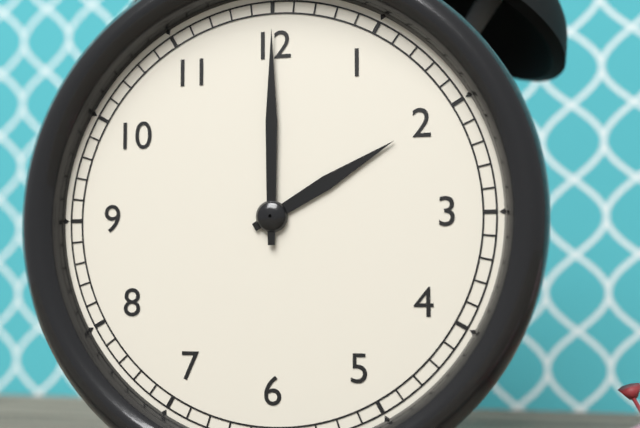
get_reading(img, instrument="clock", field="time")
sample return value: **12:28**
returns **2:00**
